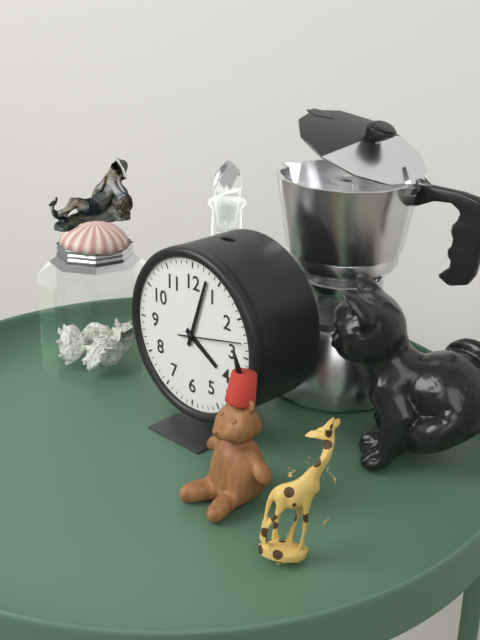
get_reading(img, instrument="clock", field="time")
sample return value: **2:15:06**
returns **4:03:13**
